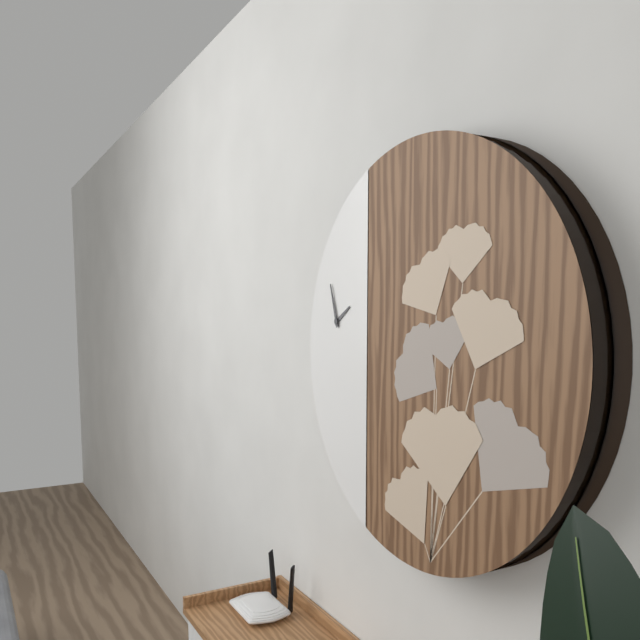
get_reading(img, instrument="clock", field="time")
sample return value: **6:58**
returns **1:57**
